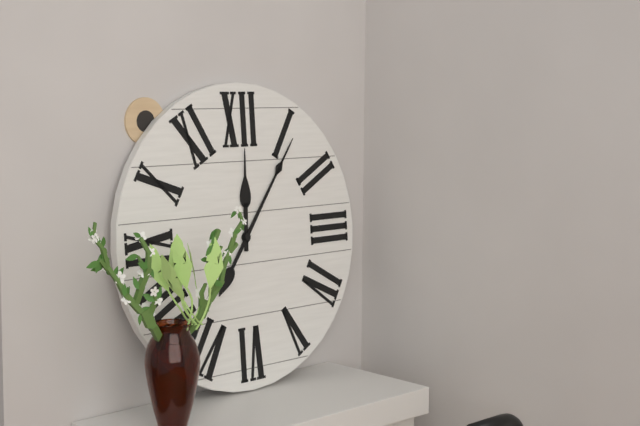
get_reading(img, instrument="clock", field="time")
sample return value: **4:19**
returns **12:06**
